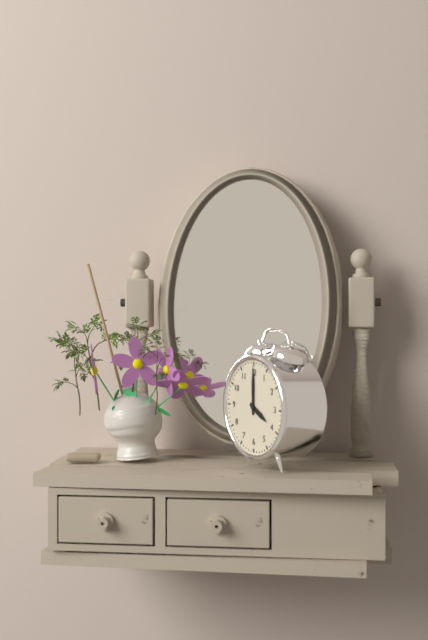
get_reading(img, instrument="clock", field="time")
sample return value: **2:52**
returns **4:00**
